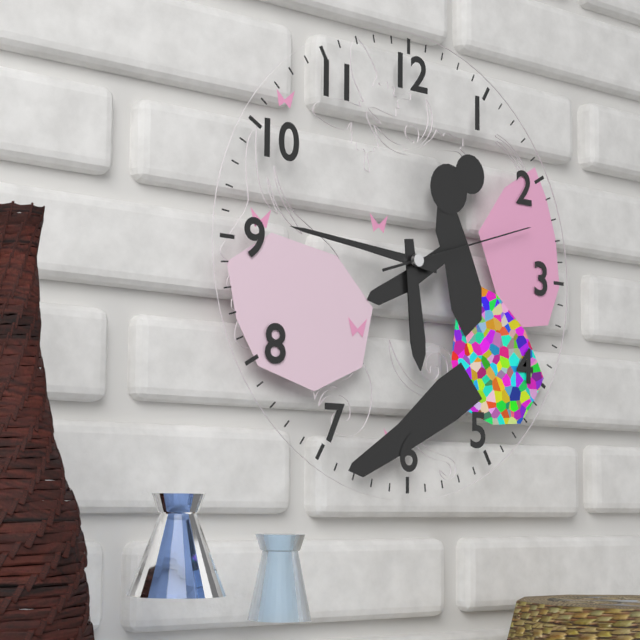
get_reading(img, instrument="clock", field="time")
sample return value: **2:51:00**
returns **5:46:12**
